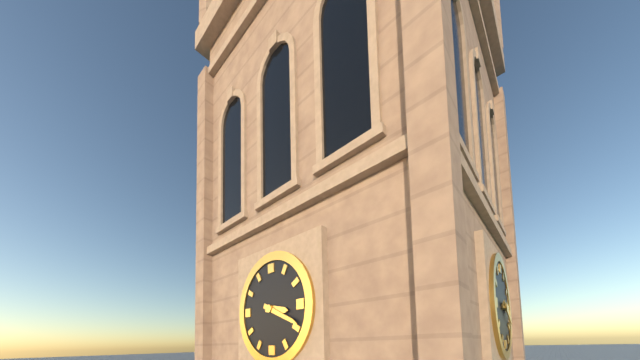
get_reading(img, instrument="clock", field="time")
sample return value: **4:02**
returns **3:19**
